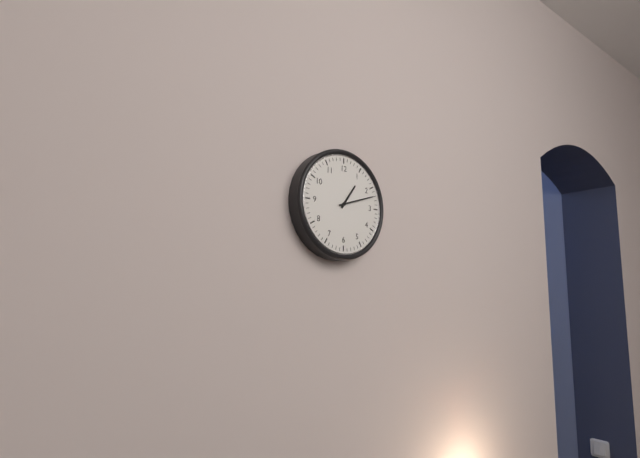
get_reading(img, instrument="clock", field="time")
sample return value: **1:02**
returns **1:12**
